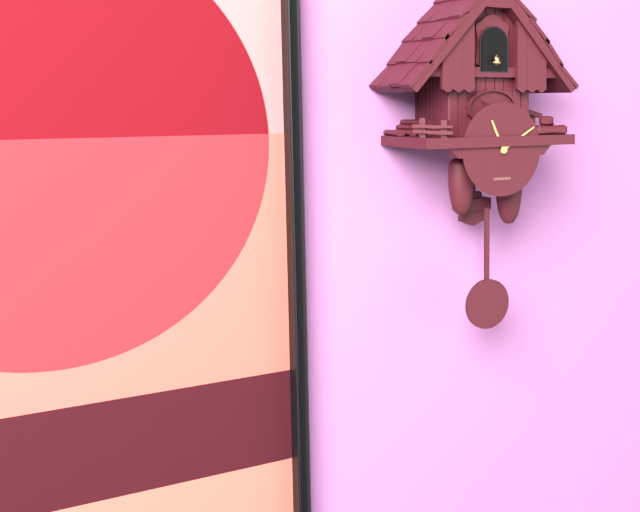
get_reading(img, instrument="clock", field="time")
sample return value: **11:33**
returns **11:10**
